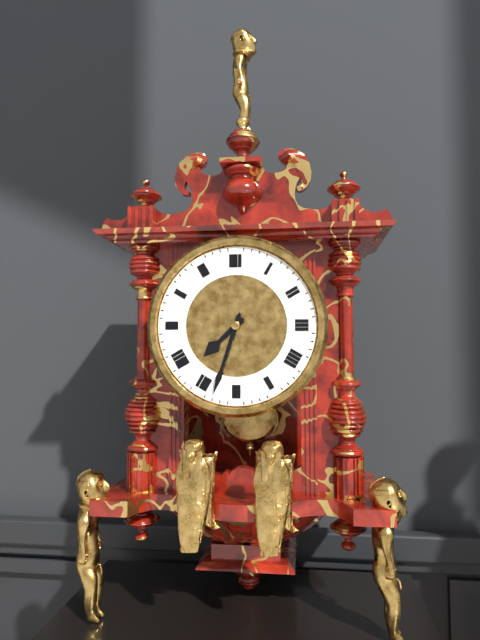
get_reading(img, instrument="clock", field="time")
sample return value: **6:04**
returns **7:33**
